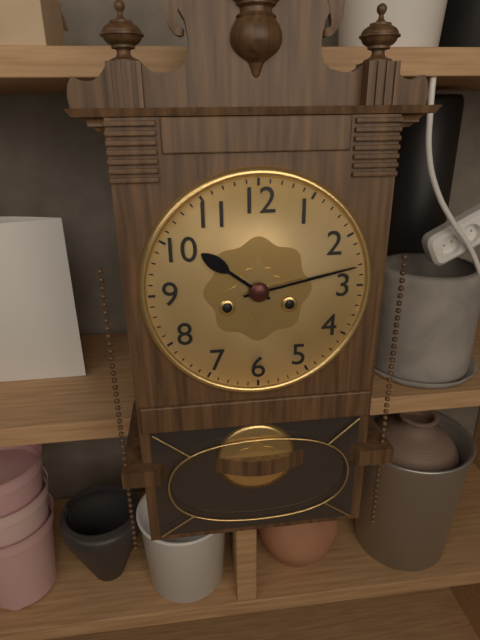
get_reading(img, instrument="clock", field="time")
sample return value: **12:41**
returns **10:13**
